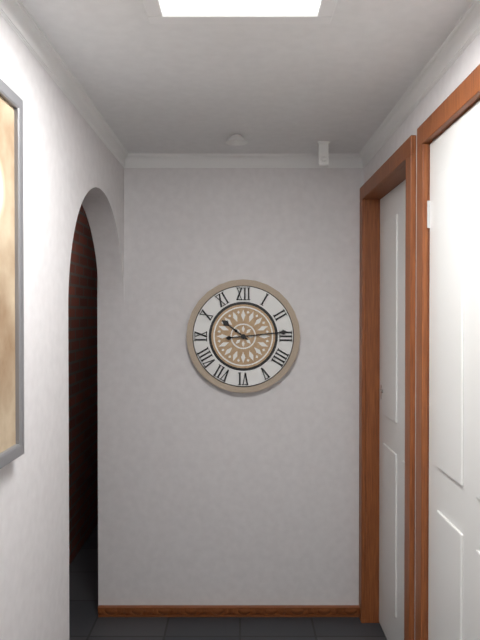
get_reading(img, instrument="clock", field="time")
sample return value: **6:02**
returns **10:14**
